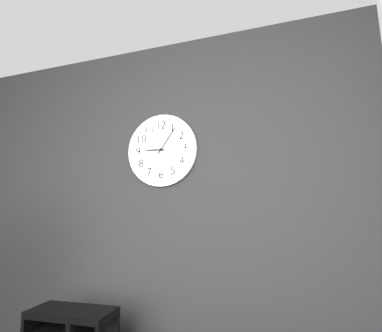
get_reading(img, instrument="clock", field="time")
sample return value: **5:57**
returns **9:06**
